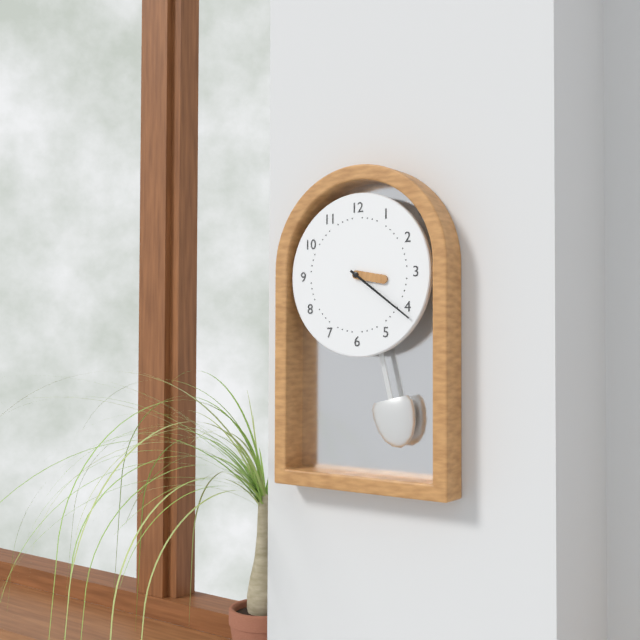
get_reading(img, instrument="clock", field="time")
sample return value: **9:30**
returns **3:21**
